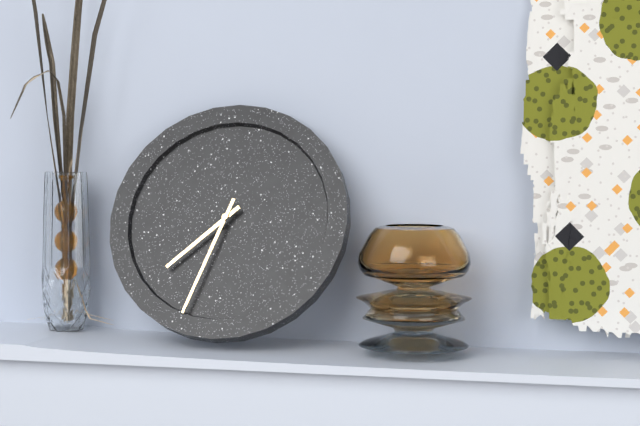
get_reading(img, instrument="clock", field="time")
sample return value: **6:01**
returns **7:33**
